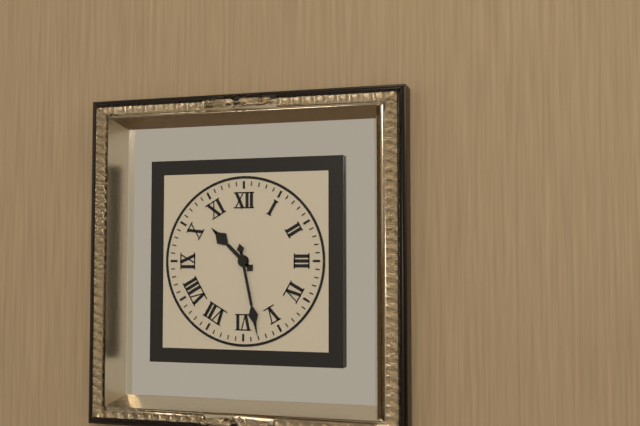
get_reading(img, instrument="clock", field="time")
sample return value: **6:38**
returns **10:28**
